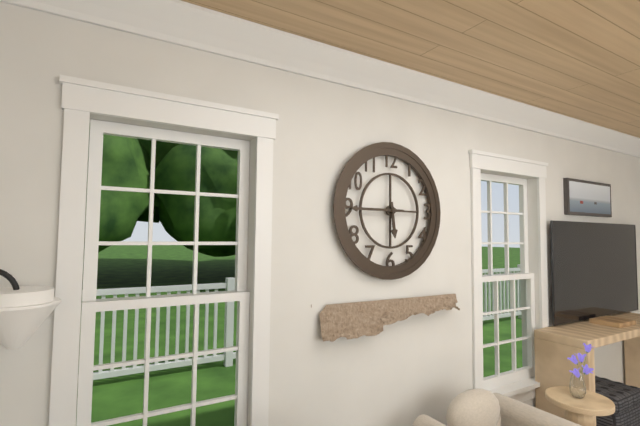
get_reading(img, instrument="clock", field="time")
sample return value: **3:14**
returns **5:45**
